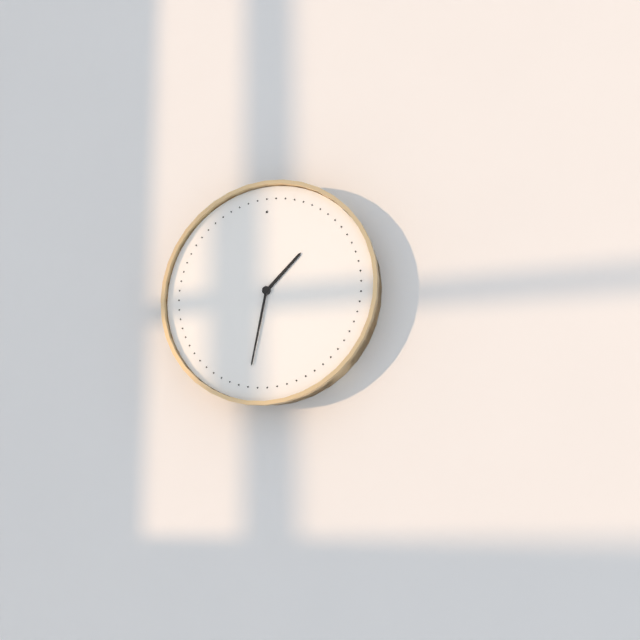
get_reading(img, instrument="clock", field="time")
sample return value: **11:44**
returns **1:32**
